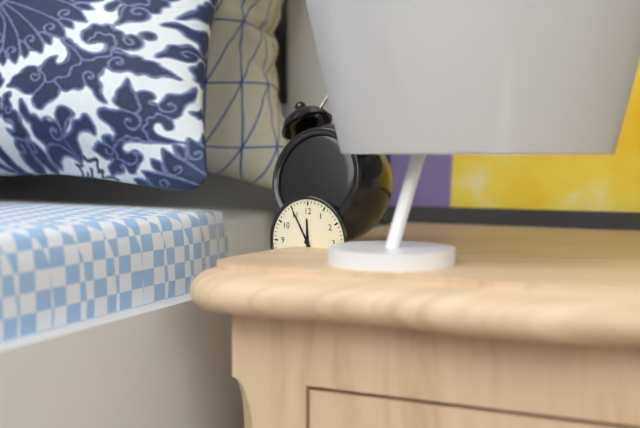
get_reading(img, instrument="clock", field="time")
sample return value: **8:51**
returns **11:55**
